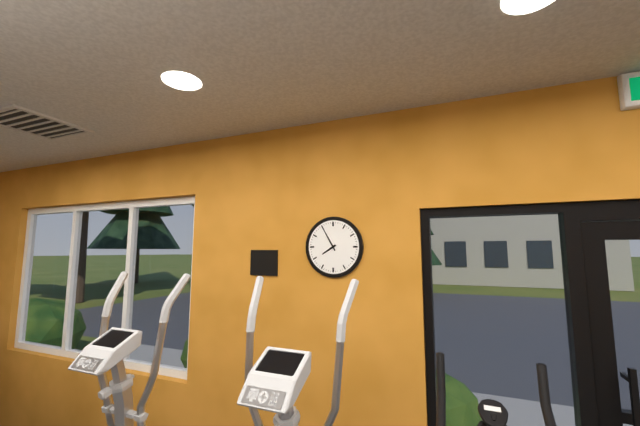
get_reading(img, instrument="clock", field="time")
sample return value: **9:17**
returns **7:55**
